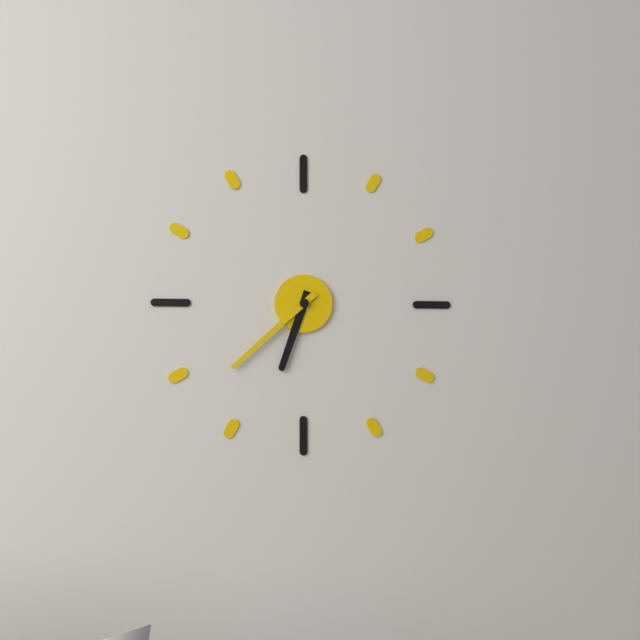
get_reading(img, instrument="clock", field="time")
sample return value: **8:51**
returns **6:38**
